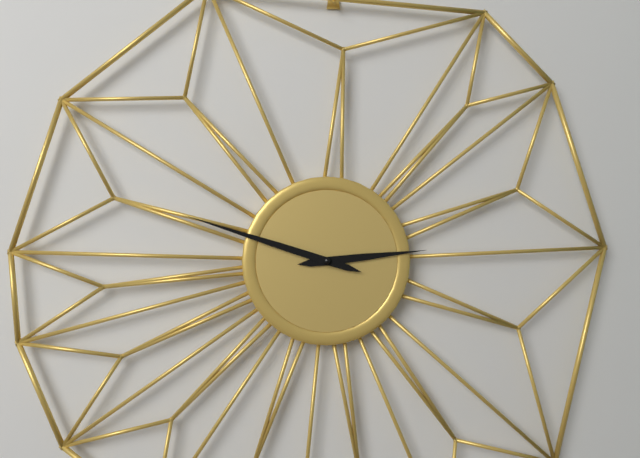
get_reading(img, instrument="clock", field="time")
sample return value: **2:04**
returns **2:48**
